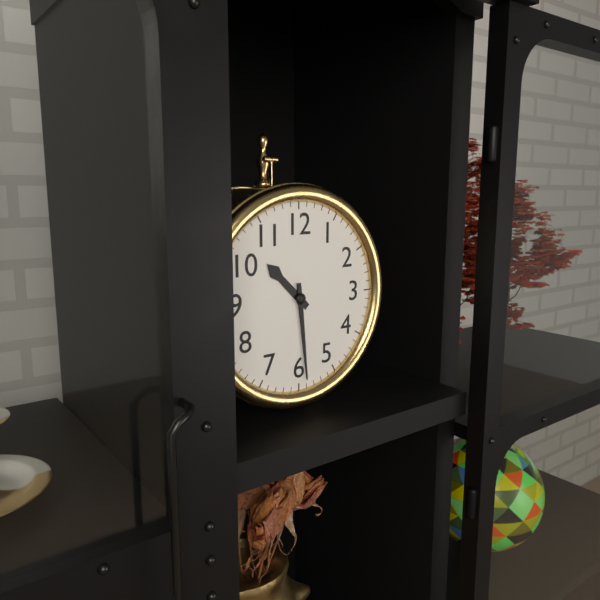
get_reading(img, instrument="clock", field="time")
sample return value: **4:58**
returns **10:29**
